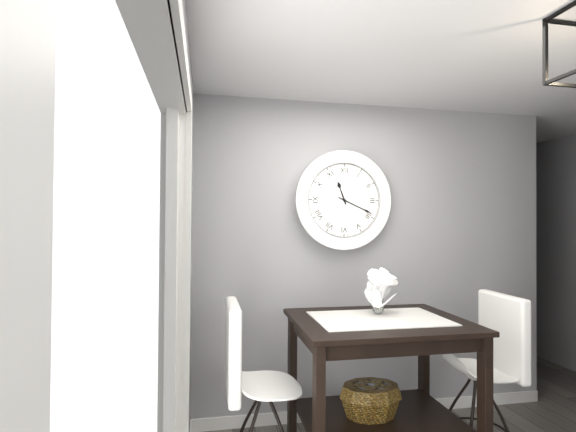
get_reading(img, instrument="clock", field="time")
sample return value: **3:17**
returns **11:19**
